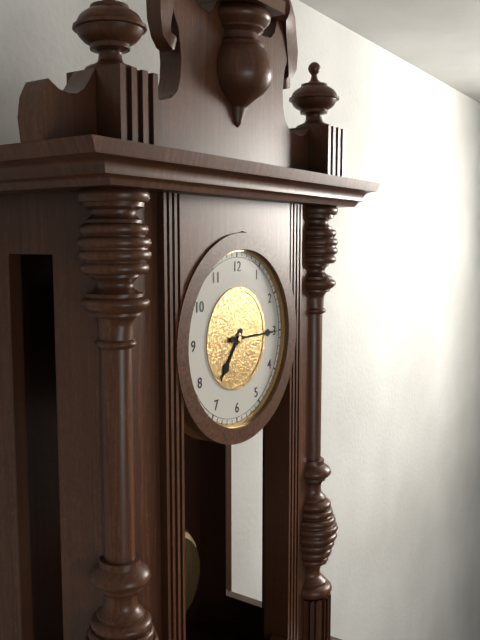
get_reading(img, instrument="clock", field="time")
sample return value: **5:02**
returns **7:15**
